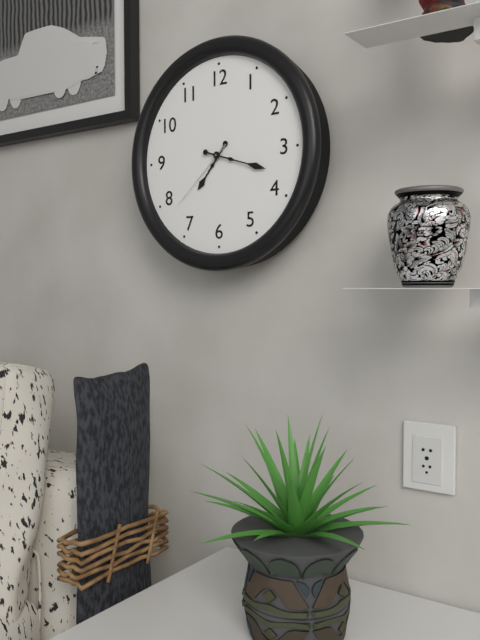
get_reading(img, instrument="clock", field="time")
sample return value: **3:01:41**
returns **7:18:38**
